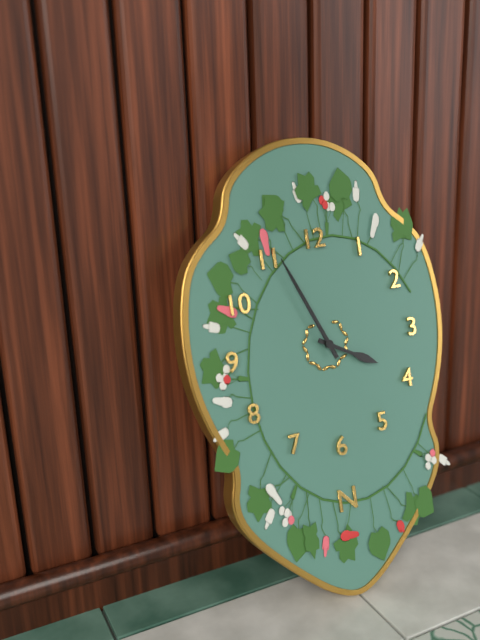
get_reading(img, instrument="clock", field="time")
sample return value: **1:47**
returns **3:56**
